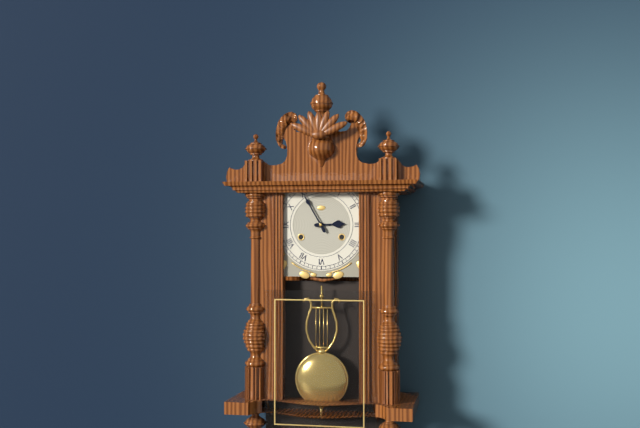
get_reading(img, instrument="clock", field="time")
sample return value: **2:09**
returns **2:55**
